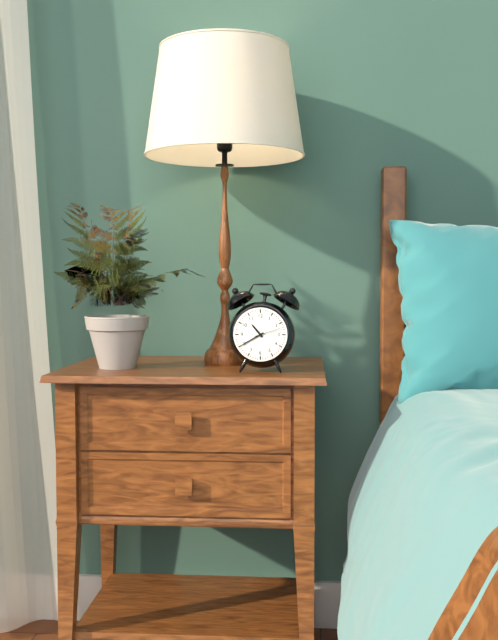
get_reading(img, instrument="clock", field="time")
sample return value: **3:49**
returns **10:40**
